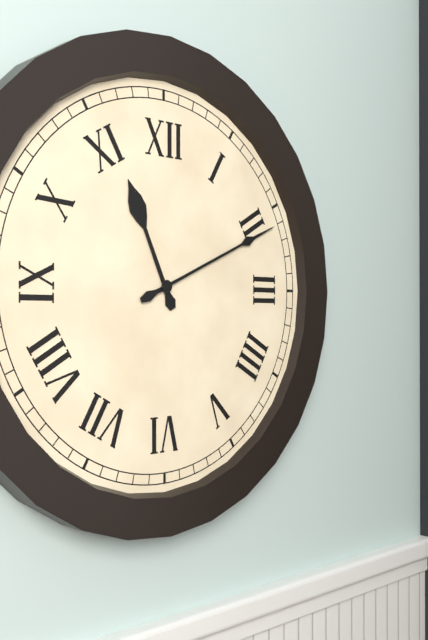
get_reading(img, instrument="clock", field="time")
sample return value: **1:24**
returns **11:11**
